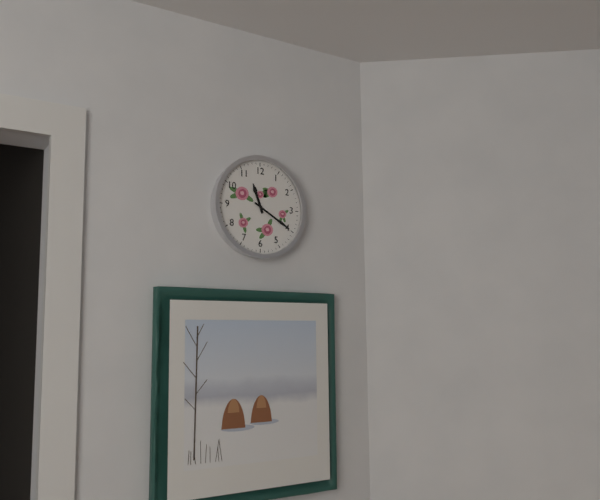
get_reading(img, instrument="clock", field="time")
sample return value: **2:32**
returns **11:20**
